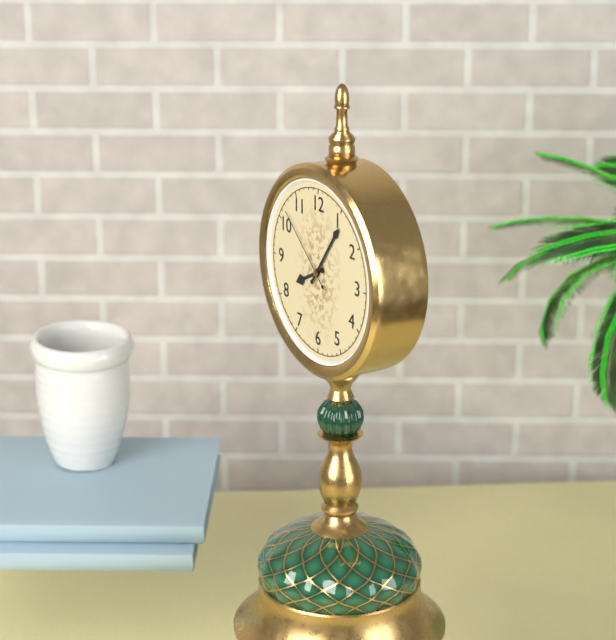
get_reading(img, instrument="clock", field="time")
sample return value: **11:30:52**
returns **8:06:52**
